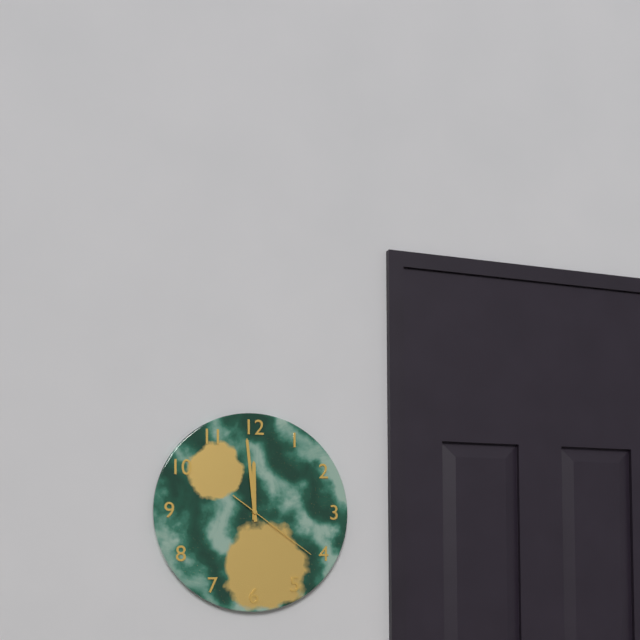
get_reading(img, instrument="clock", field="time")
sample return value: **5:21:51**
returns **11:59:21**
